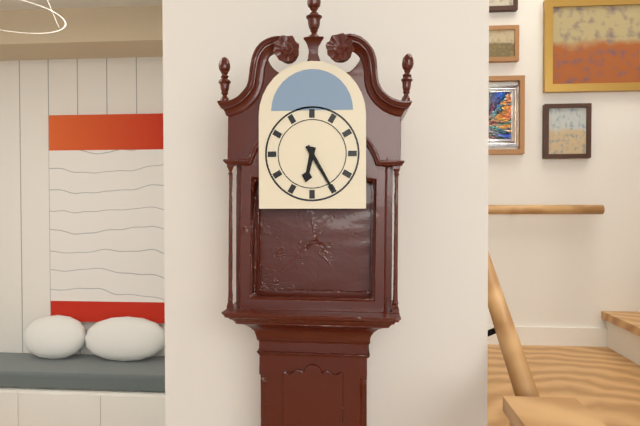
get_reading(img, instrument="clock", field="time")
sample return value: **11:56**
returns **6:25**
